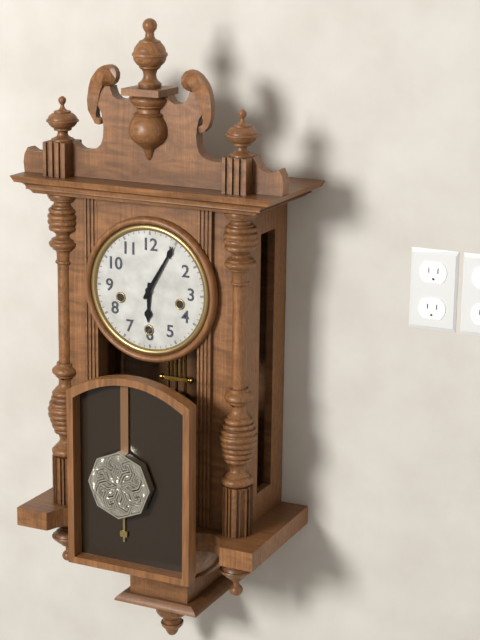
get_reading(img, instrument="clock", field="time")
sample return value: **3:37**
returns **6:05**
